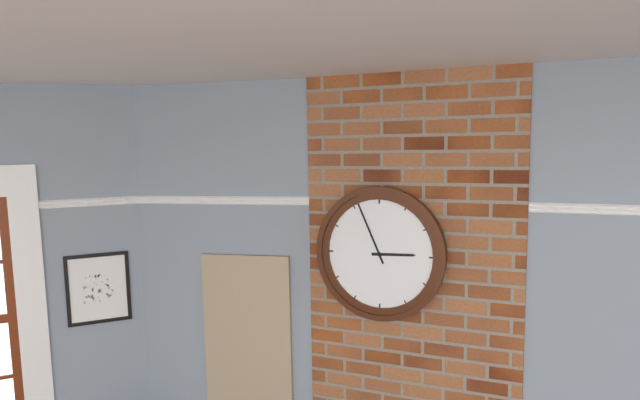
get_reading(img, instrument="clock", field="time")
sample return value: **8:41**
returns **2:56**
